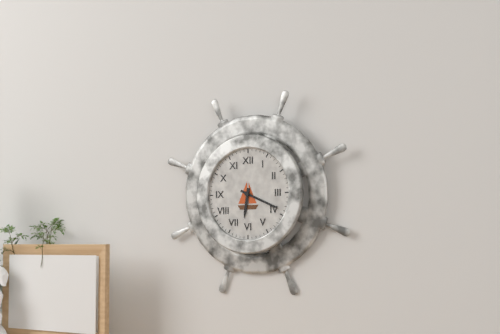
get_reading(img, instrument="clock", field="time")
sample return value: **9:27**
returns **6:19**
